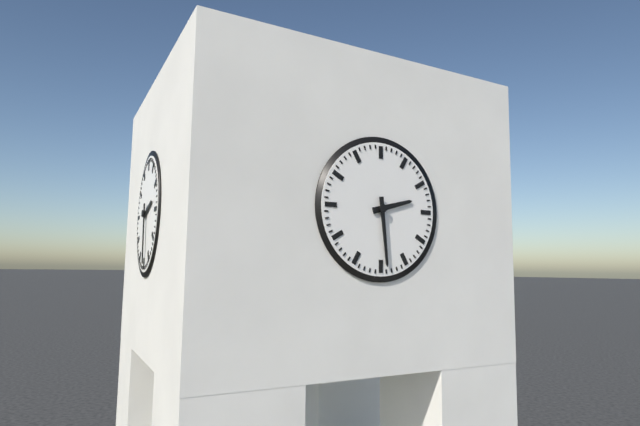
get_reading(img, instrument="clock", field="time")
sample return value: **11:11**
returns **2:29**
